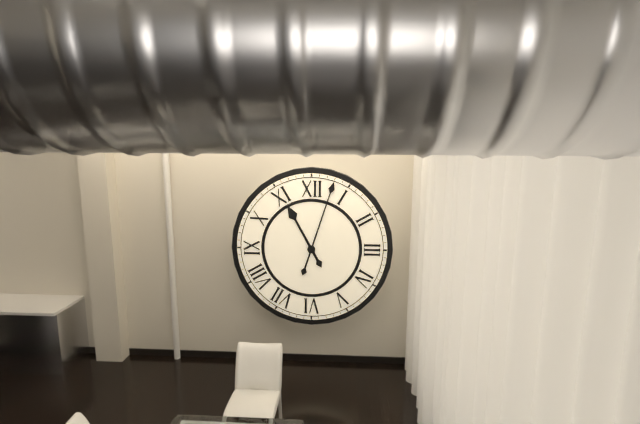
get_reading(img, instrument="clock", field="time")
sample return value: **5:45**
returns **11:03**
